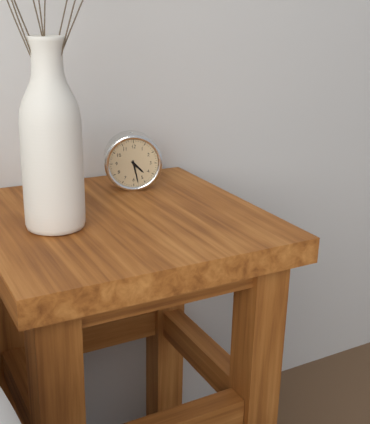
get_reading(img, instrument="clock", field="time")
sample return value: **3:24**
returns **4:28**
